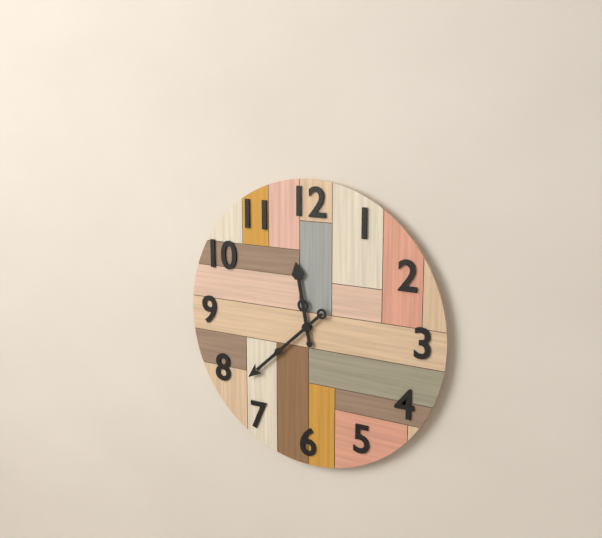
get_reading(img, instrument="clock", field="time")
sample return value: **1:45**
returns **11:38**
